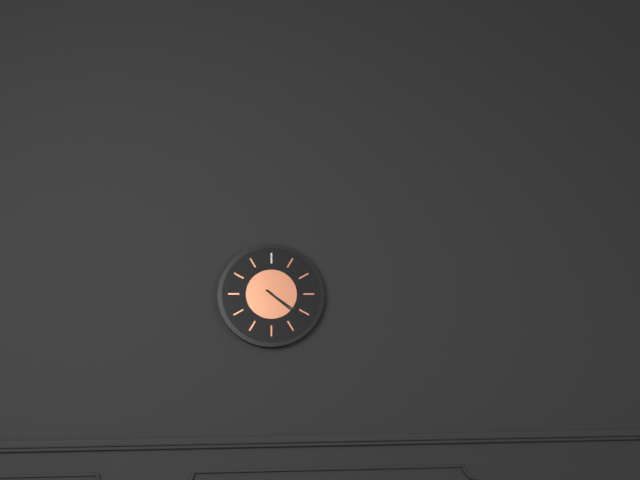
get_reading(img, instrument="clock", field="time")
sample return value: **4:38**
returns **4:21**
